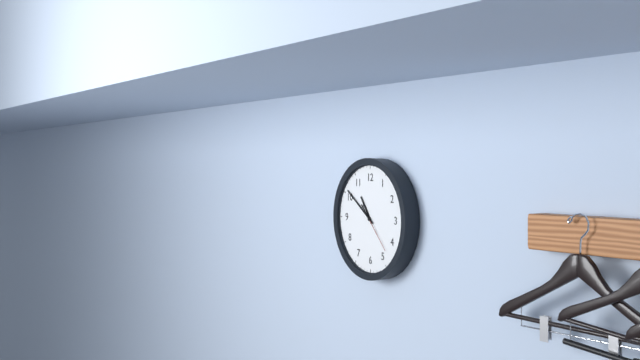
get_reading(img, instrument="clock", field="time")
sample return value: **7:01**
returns **10:51**
